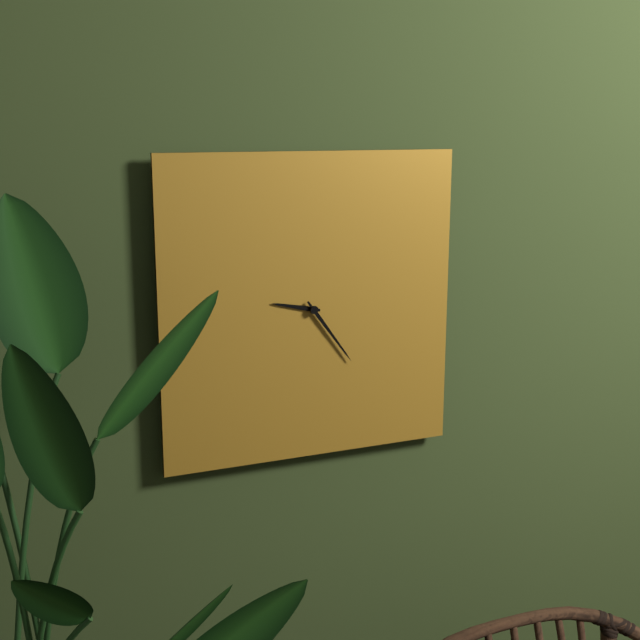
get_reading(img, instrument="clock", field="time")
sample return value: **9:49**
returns **9:24**
